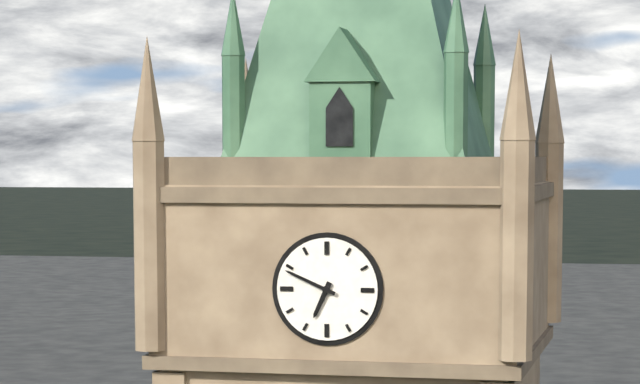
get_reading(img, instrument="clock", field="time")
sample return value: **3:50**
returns **6:49**
